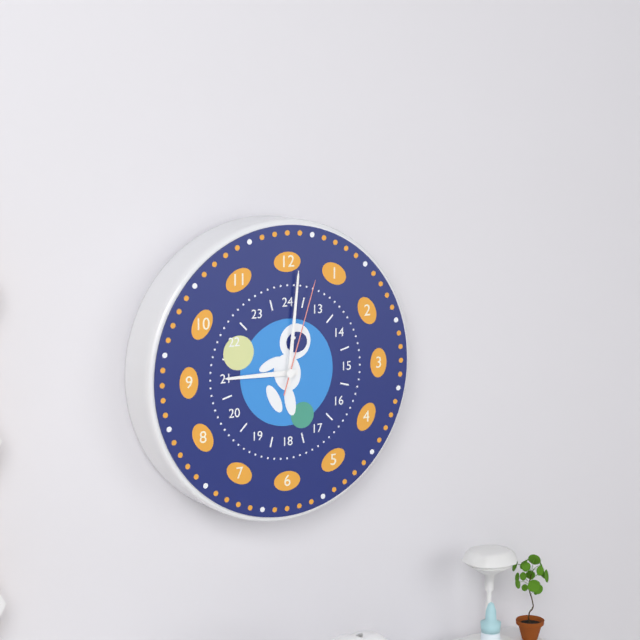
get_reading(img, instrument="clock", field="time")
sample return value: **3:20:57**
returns **9:01:03**
